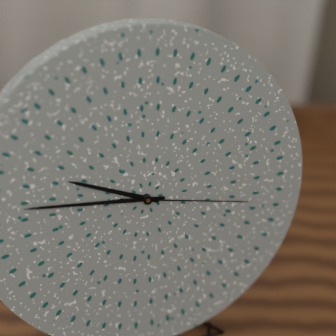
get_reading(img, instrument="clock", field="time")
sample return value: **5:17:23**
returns **9:46:17**
